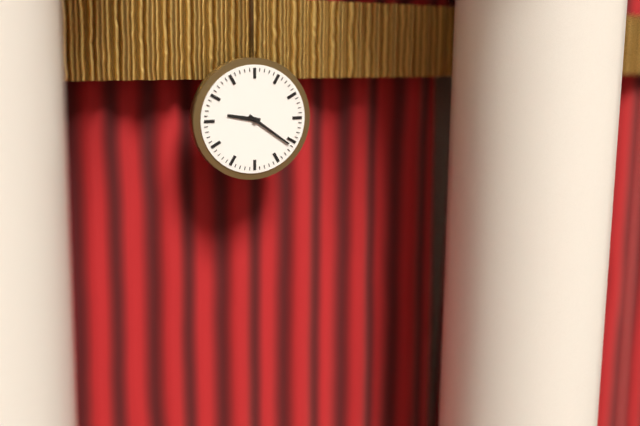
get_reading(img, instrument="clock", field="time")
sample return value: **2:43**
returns **9:21**
